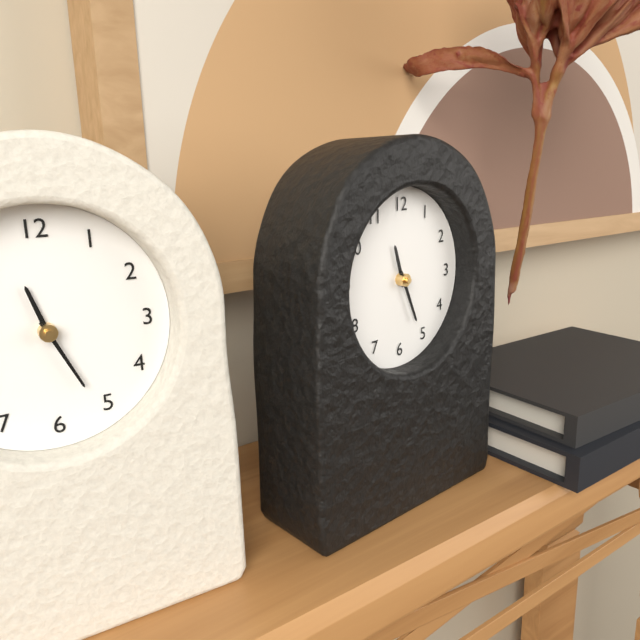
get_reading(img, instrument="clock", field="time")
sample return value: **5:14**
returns **11:26**
